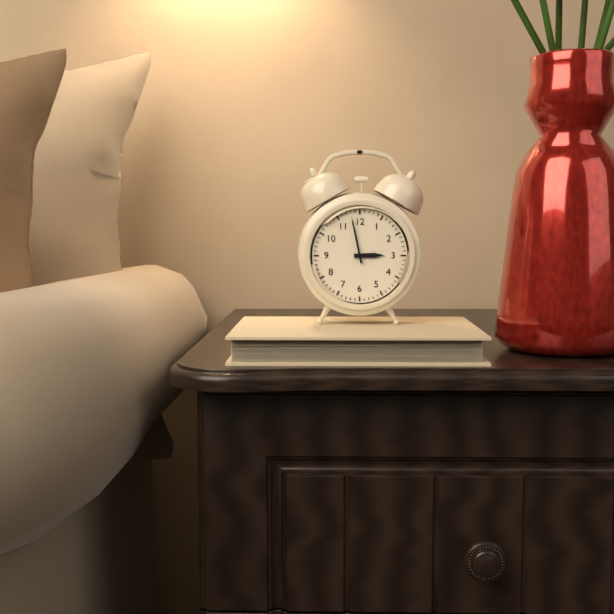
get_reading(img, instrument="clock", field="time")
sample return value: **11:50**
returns **2:58**
